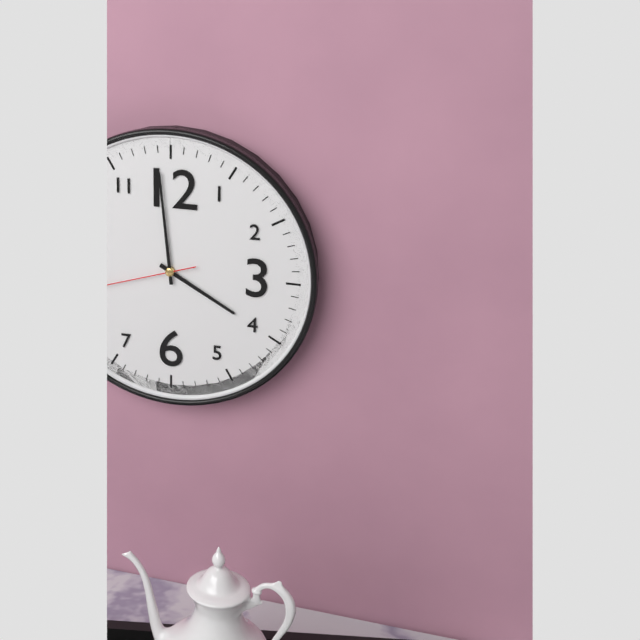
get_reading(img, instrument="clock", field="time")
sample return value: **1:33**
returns **3:59**
